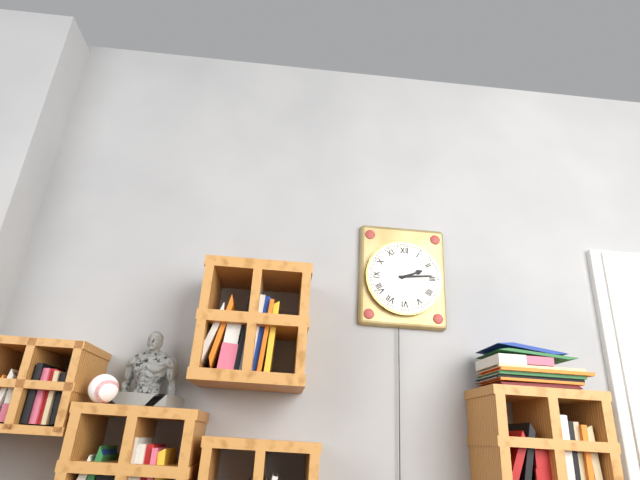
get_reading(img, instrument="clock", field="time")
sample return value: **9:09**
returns **2:14**
